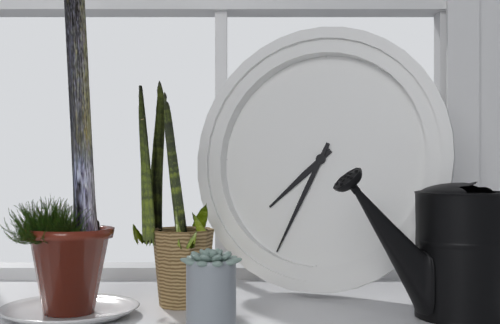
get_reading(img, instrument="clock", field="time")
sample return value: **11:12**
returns **7:34**
